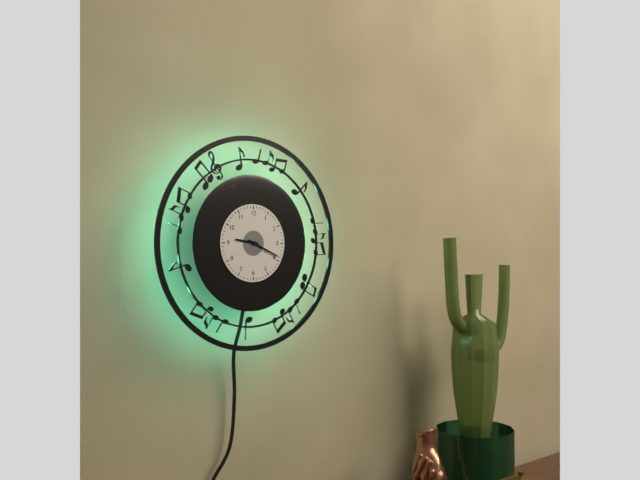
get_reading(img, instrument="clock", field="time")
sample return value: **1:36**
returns **9:19**
